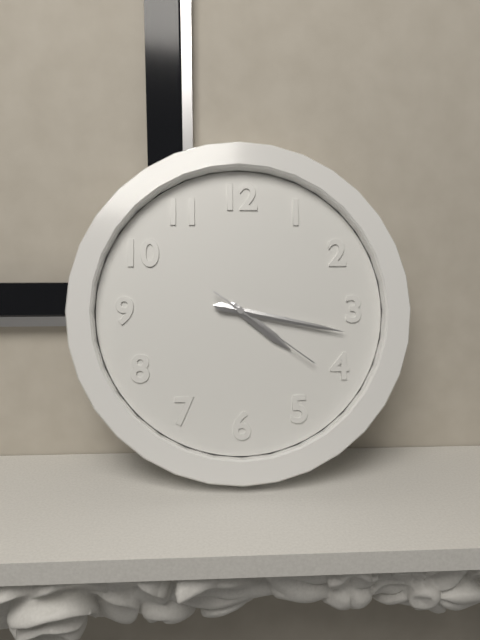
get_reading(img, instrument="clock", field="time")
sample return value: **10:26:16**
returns **4:17:21**
